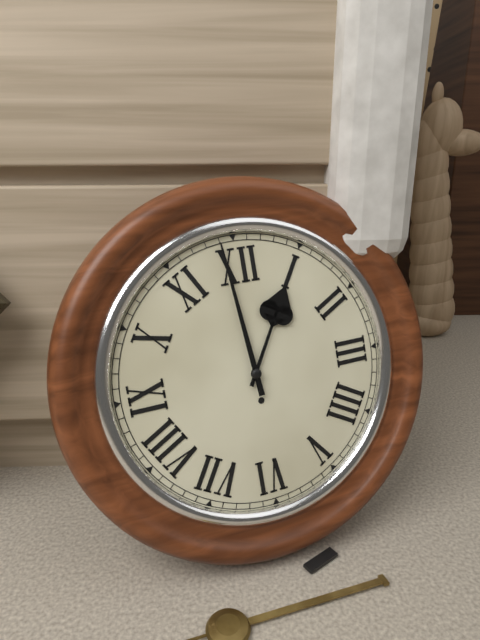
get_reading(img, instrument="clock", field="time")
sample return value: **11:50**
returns **12:59**
